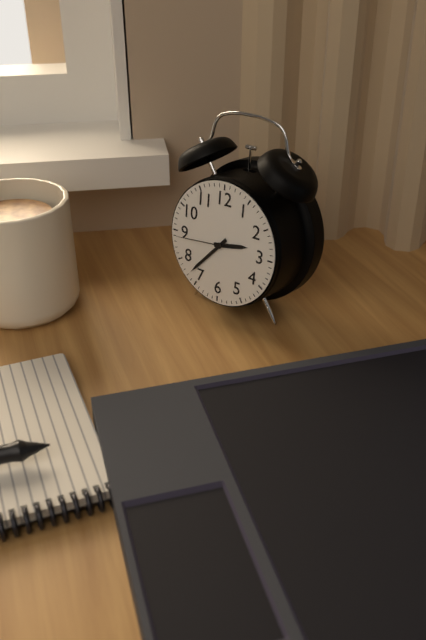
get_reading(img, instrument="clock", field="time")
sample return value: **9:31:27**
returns **2:37:44**
